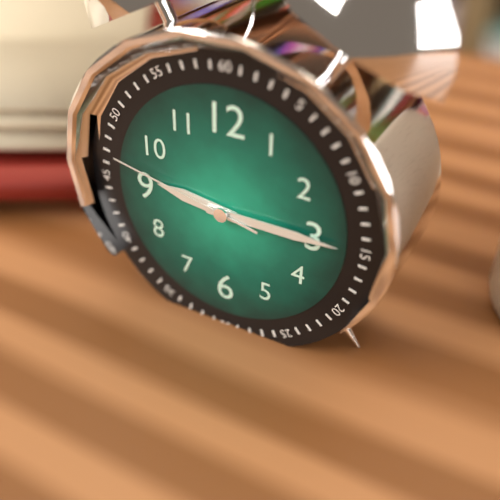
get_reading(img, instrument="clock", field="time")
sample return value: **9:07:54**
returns **9:15:47**
